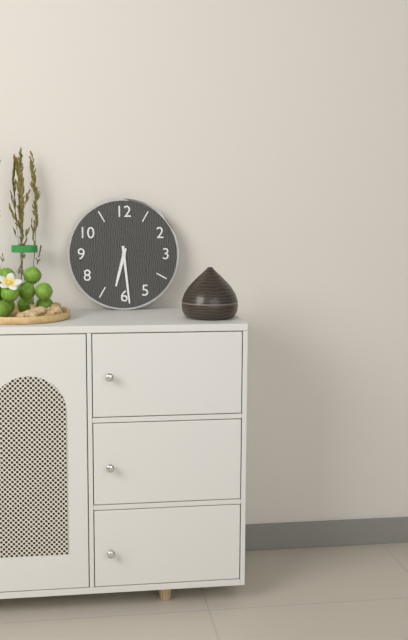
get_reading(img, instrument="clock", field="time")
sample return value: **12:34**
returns **6:29**
